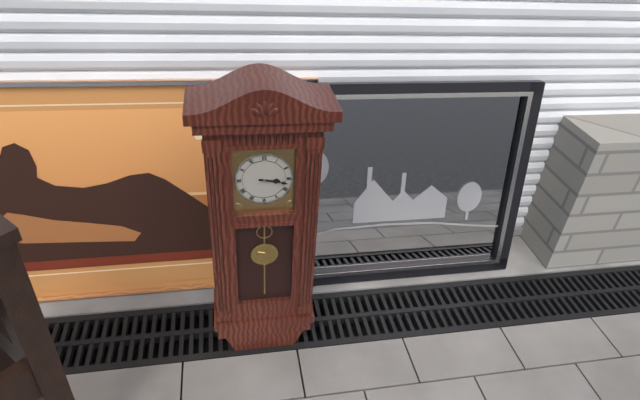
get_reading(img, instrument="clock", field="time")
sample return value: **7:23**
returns **3:17**
